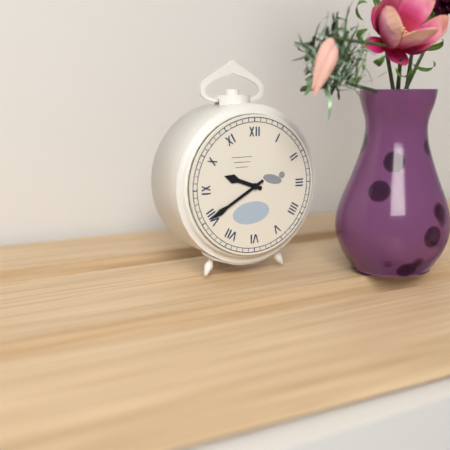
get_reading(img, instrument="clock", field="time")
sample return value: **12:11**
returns **9:40**
